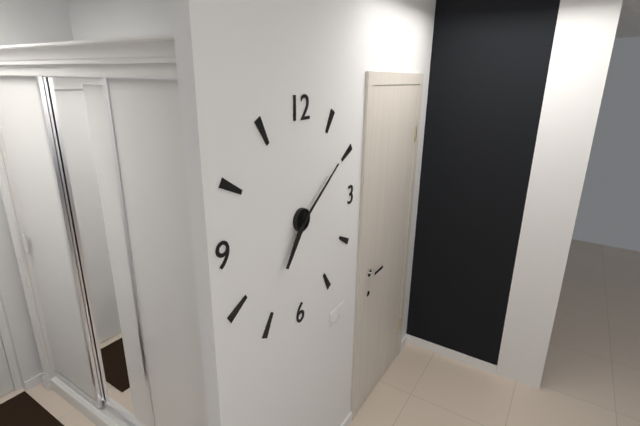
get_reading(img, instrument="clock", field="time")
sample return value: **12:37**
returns **7:09**
